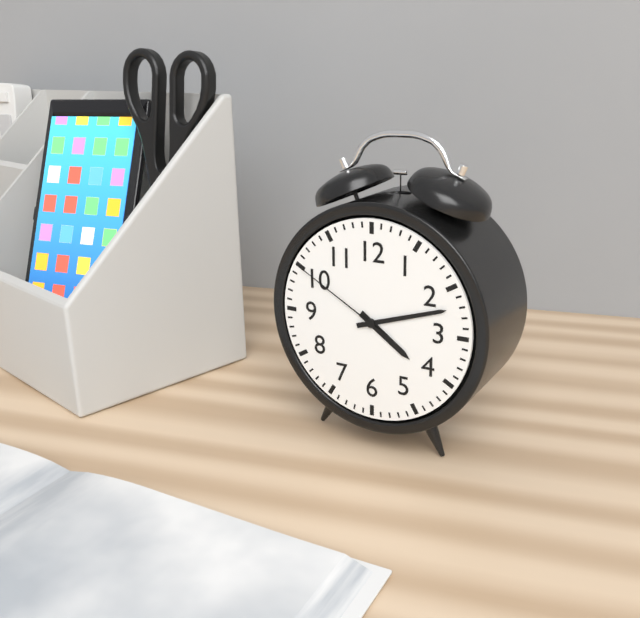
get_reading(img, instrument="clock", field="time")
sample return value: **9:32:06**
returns **4:12:50**
